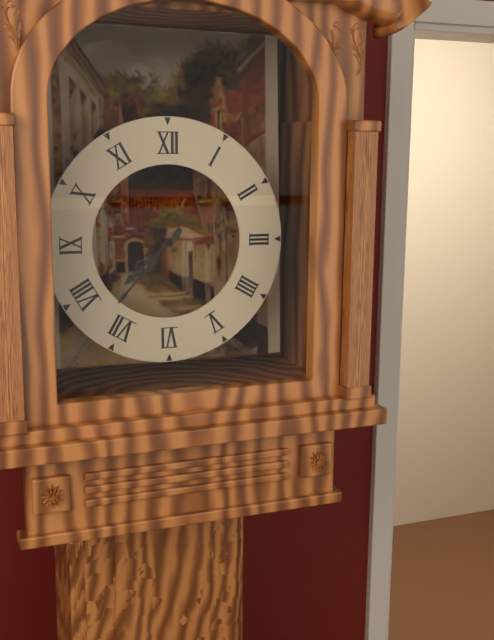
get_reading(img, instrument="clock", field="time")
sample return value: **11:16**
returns **7:37**
